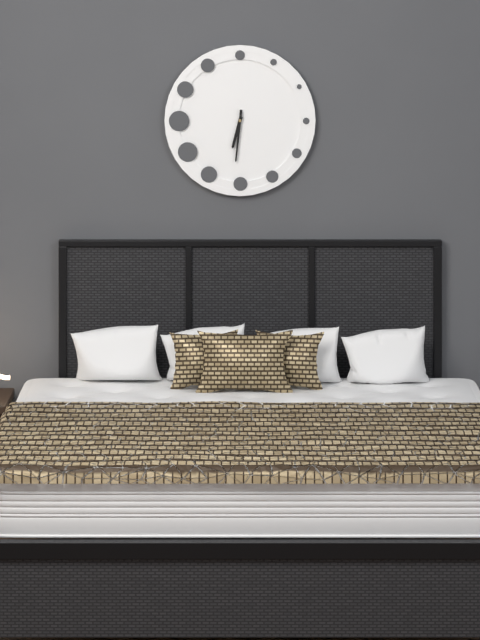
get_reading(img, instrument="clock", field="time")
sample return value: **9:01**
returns **6:31**
